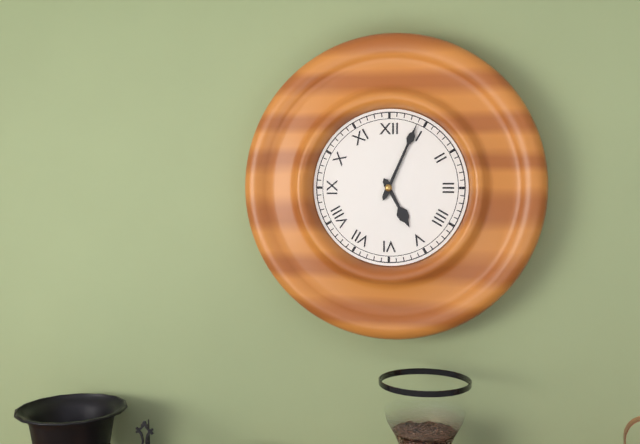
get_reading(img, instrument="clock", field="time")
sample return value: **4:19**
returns **5:04**
